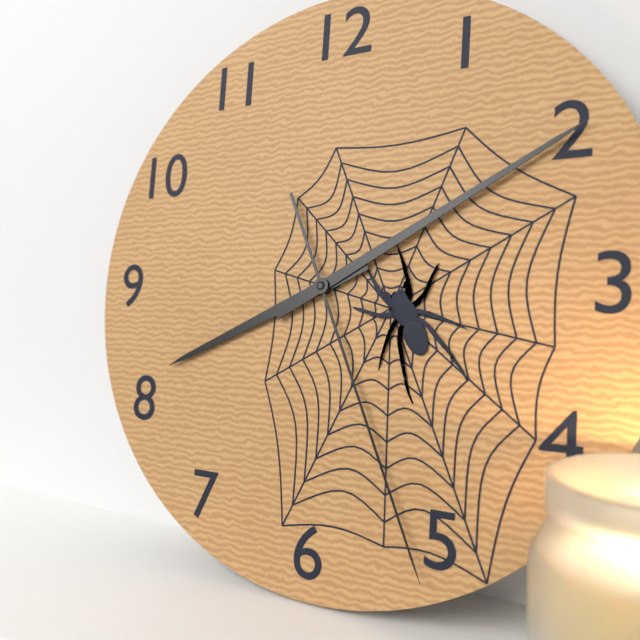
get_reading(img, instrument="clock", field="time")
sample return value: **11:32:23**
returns **8:10:26**
